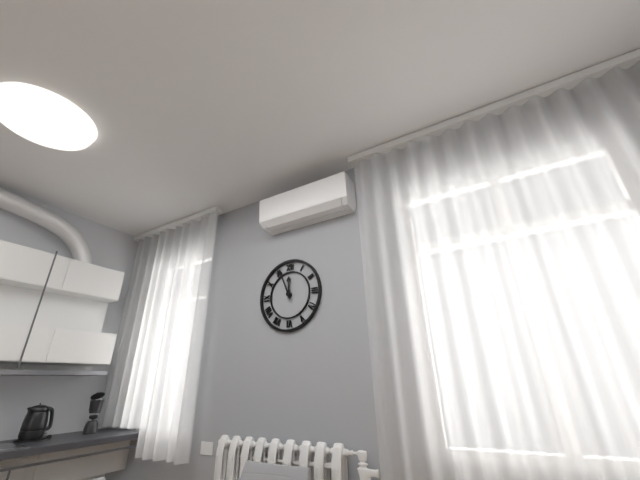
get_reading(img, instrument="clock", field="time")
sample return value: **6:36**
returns **11:56**
